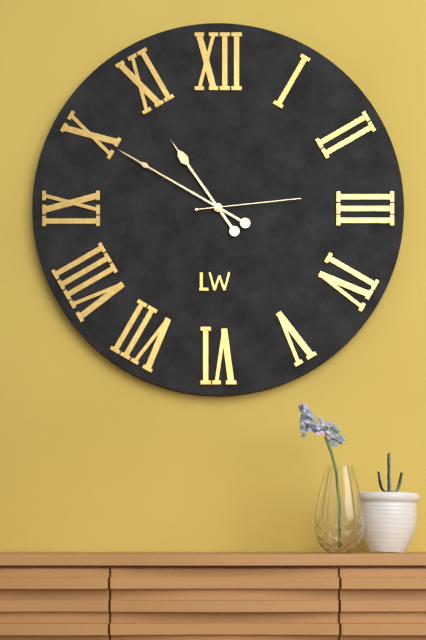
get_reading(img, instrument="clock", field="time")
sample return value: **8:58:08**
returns **10:50:14**
